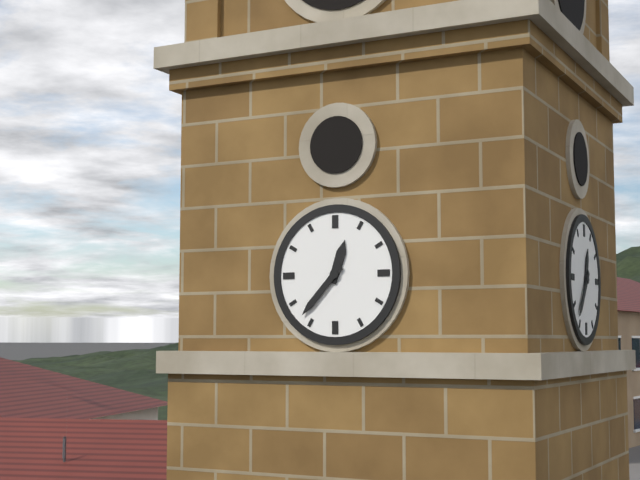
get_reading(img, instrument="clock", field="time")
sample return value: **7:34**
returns **12:37**
